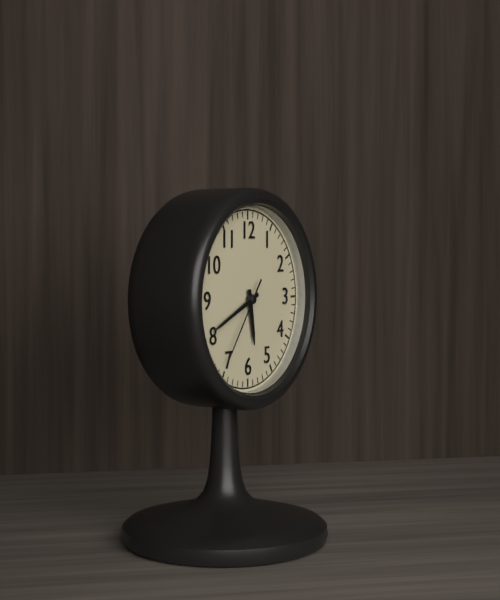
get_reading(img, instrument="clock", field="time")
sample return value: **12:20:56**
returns **5:41:36**
